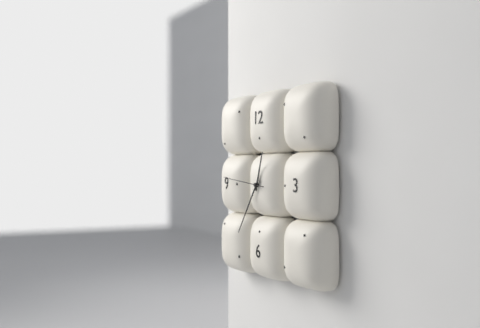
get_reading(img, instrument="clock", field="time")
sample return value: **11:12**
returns **12:36**
